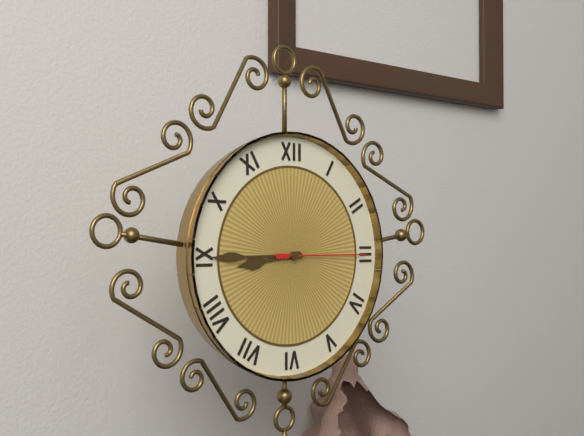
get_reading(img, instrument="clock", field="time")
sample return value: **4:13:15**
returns **8:45:15**
